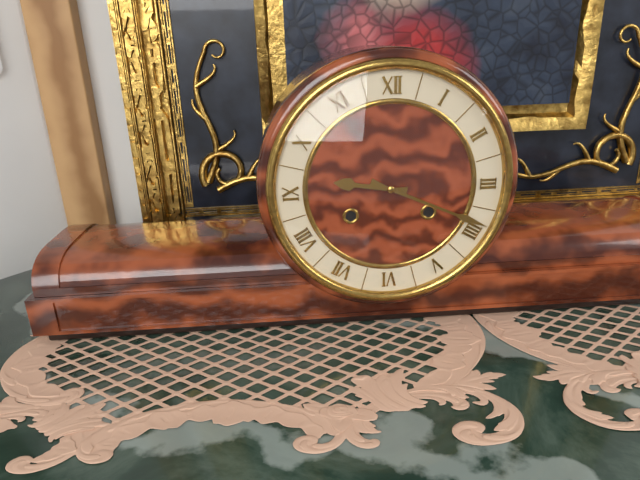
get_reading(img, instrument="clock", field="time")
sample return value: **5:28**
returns **9:19**
